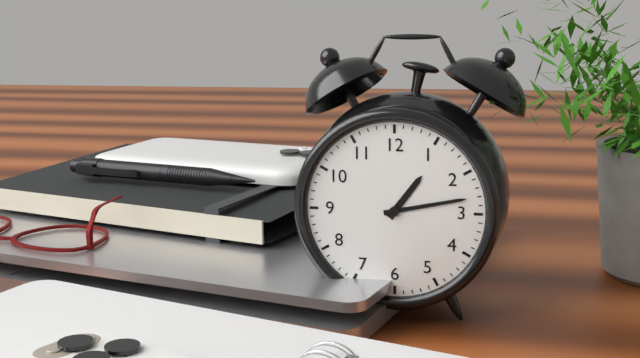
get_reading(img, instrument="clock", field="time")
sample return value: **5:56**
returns **1:13**
